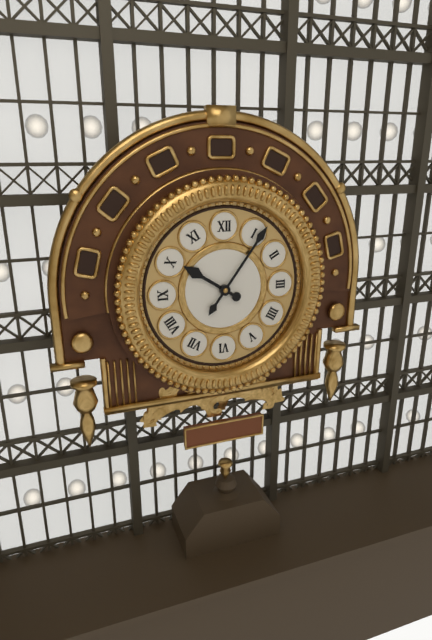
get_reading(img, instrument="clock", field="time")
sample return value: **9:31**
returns **10:06**
